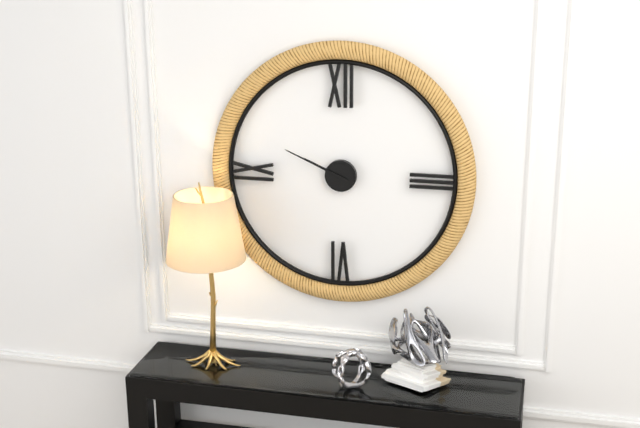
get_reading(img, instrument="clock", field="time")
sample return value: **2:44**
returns **9:49**
